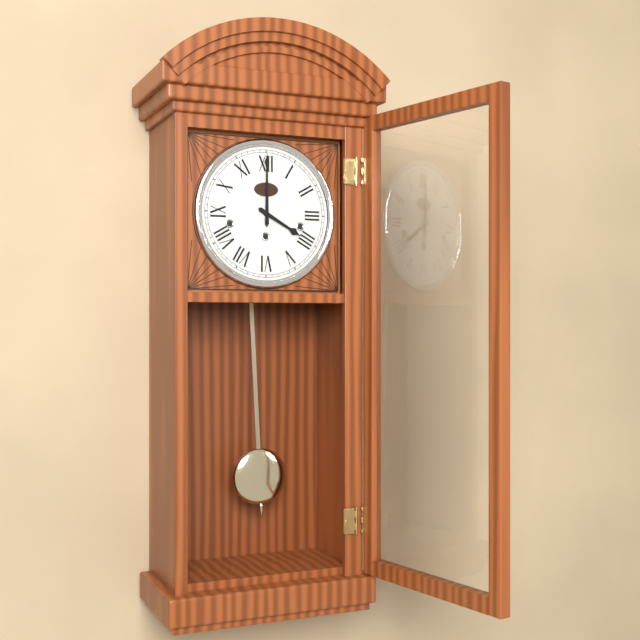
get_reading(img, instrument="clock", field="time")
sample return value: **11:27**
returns **4:00**
